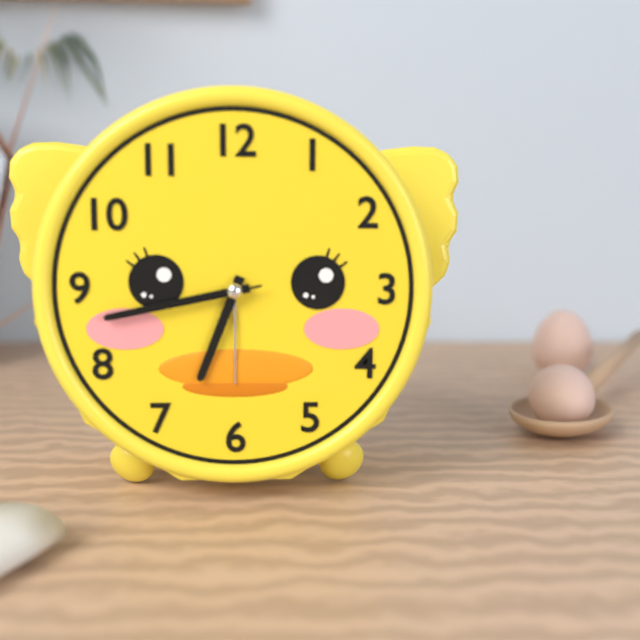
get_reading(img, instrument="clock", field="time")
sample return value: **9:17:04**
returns **6:43:43**
